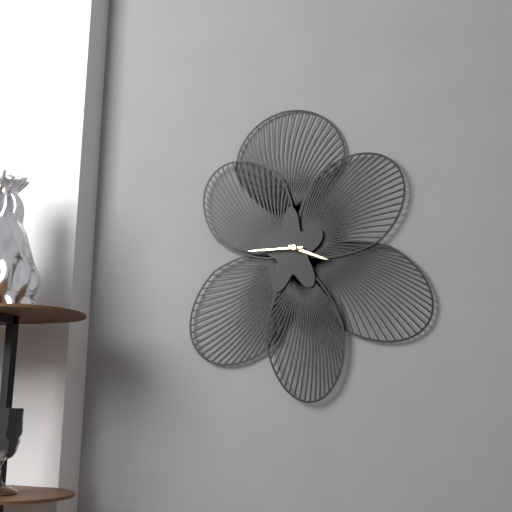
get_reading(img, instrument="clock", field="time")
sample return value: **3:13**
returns **3:45**
